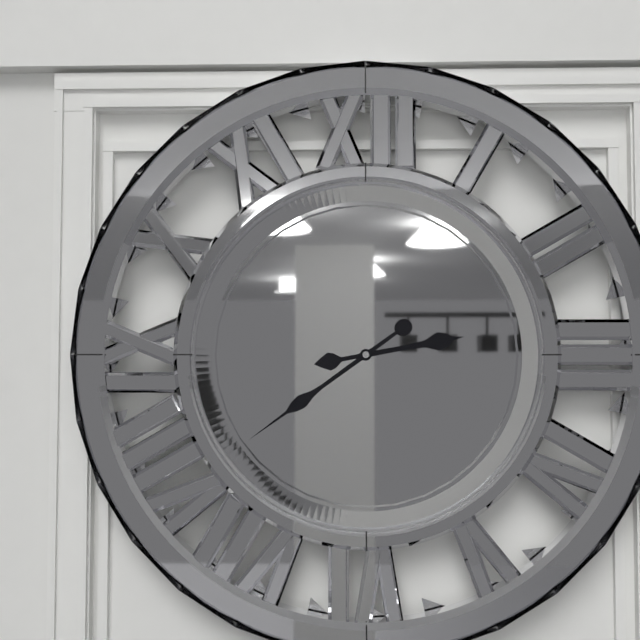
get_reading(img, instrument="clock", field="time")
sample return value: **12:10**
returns **2:39**
